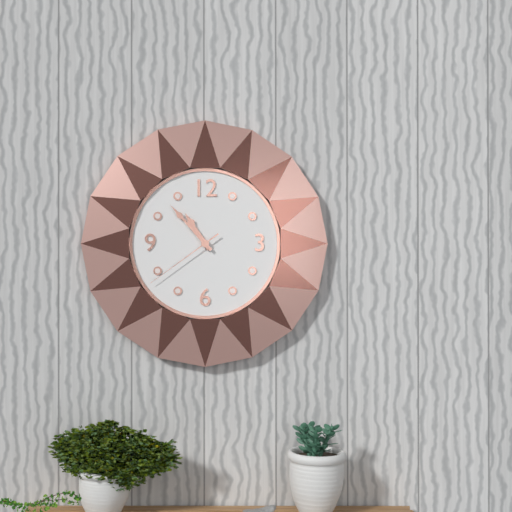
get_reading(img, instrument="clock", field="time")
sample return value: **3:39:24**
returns **10:53:39**
